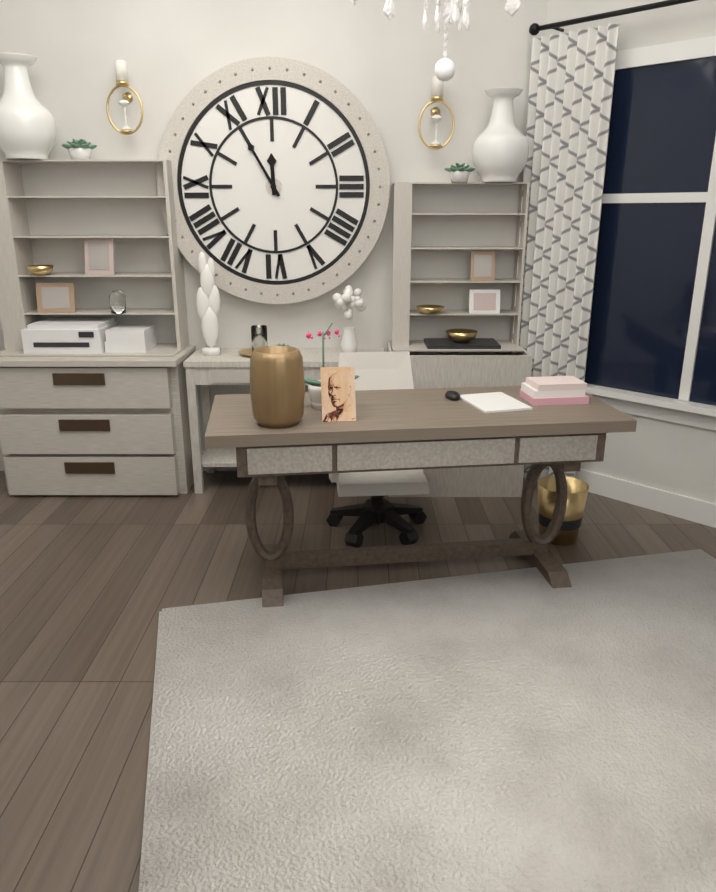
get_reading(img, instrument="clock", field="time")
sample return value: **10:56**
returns **11:55**
